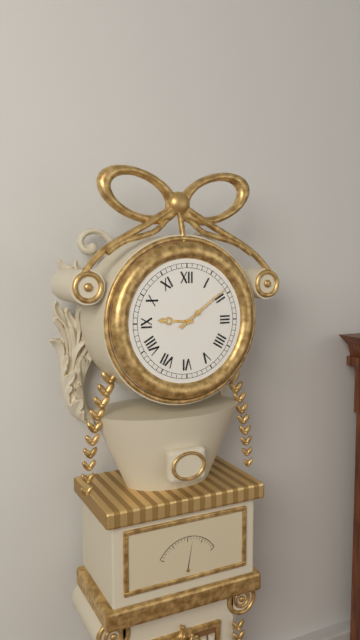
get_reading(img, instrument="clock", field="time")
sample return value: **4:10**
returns **9:09**
